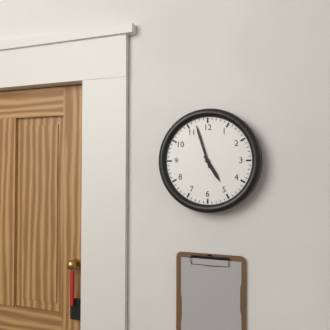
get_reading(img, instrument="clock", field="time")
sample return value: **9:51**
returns **4:57**
